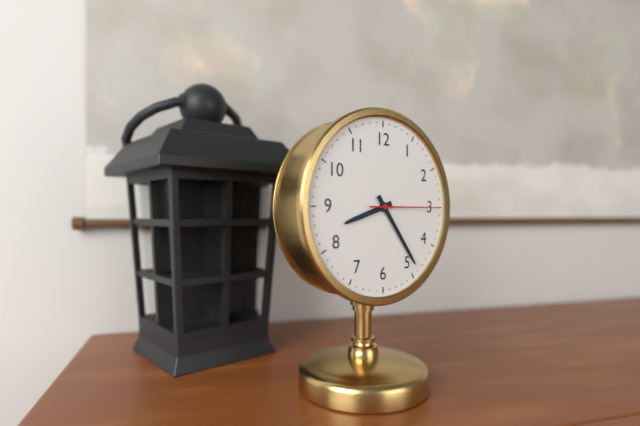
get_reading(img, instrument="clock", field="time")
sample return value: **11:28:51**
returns **8:24:15**
